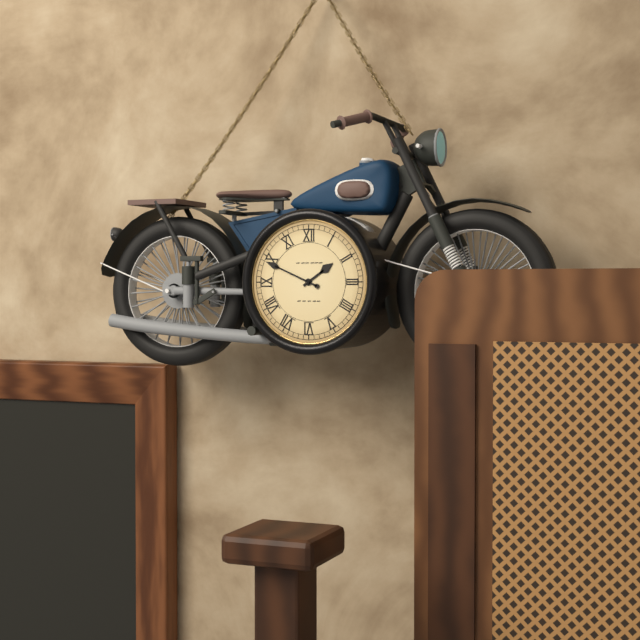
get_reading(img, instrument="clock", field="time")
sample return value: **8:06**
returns **1:49**
